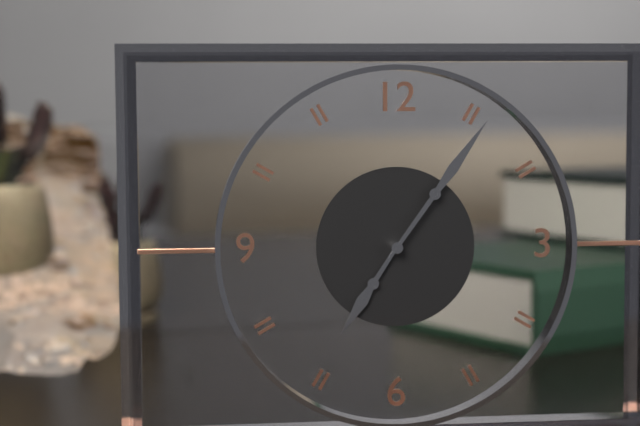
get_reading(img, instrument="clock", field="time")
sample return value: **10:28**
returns **7:06**
